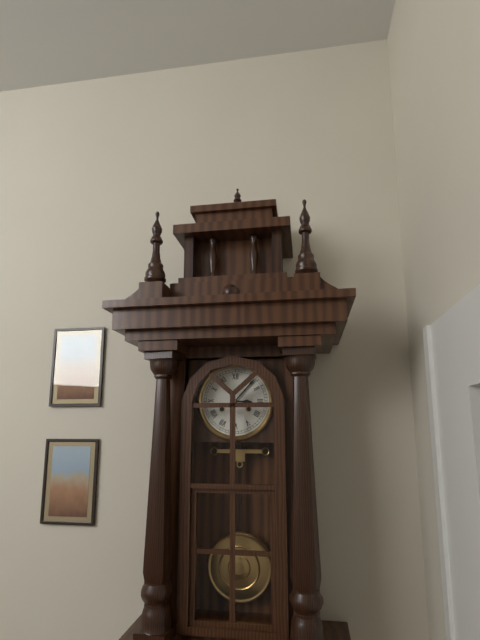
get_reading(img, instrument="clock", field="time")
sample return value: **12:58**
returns **3:07**
